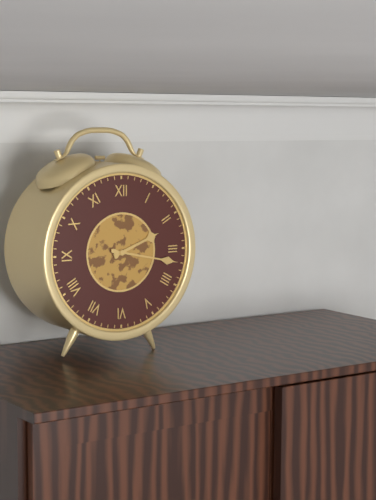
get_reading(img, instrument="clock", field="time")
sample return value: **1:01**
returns **2:17**
